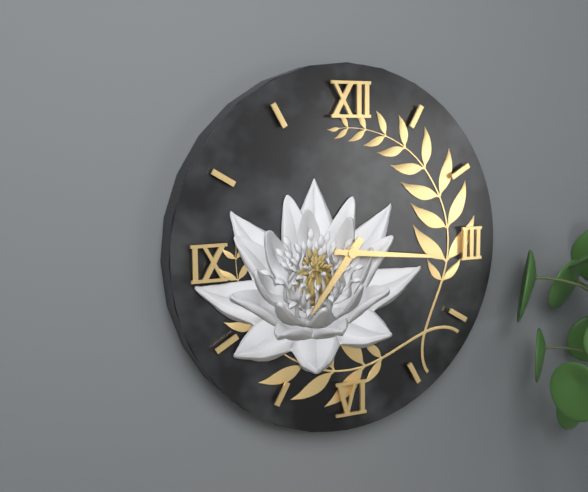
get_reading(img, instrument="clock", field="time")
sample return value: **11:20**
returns **7:16**
